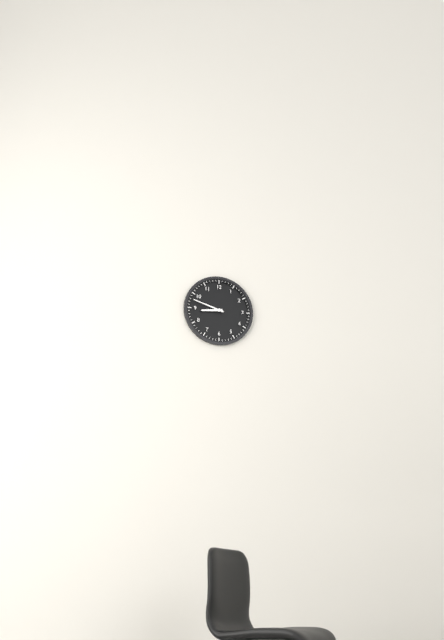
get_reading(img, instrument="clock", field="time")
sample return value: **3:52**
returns **8:48**
